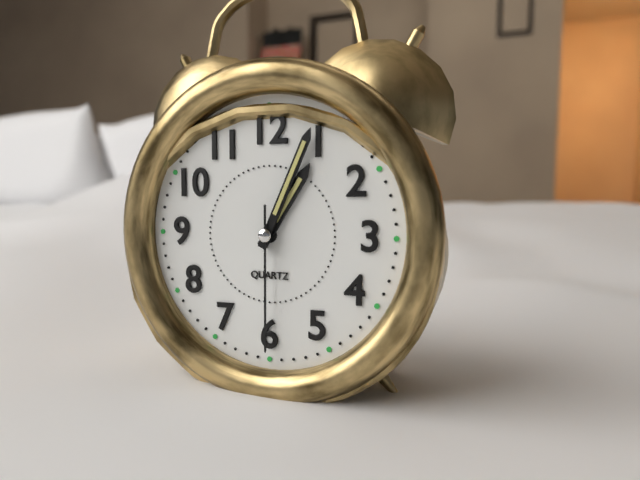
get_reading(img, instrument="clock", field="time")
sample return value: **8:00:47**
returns **1:04:30**
